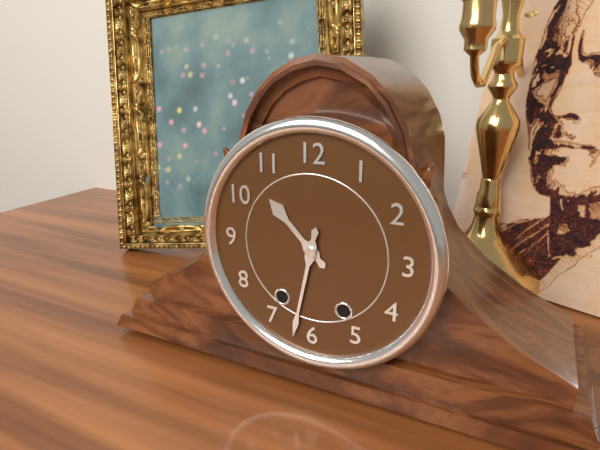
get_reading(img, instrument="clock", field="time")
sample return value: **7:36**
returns **10:32**
